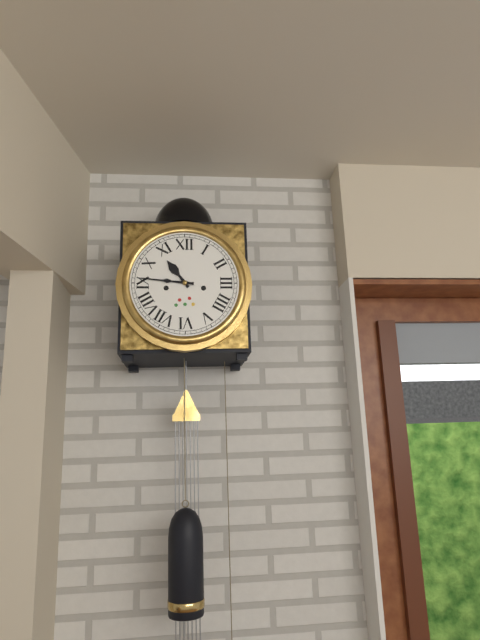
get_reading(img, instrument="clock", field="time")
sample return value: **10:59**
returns **10:46**
